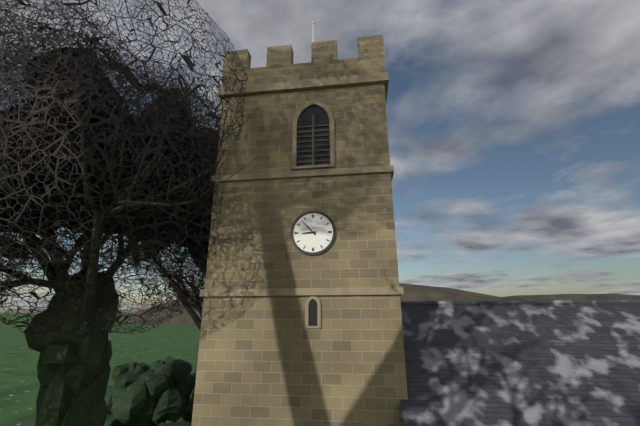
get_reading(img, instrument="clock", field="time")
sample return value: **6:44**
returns **8:53**
